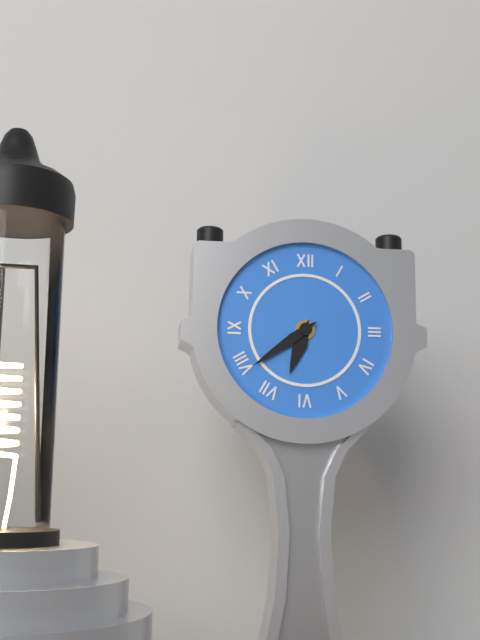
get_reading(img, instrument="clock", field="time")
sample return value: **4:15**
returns **6:39**
